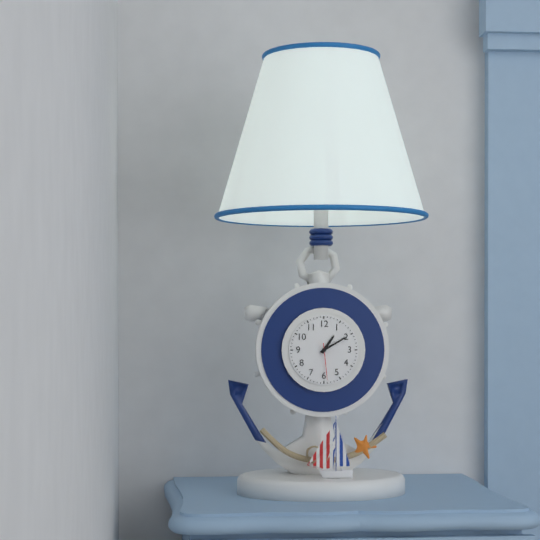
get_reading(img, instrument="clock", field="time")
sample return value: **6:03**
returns **1:10**
